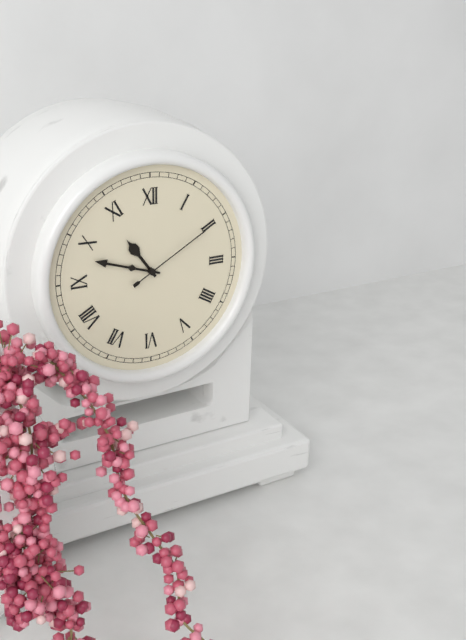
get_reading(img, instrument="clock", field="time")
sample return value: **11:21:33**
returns **10:48:10**
